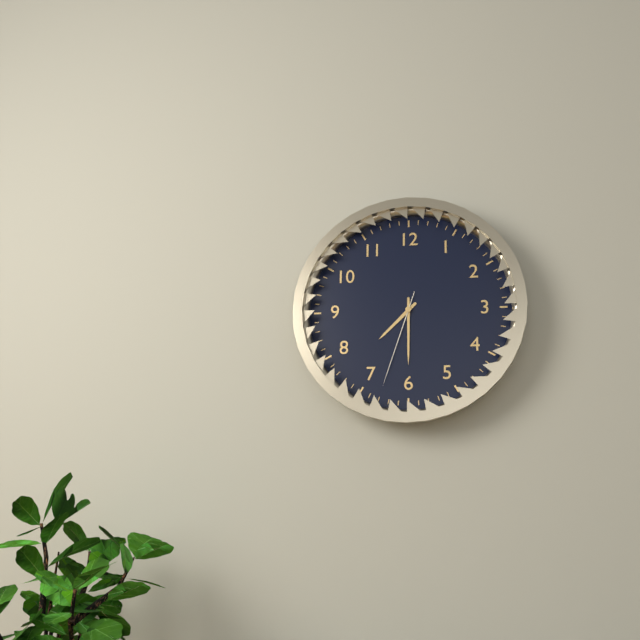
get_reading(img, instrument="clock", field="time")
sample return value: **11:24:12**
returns **7:30:33**
